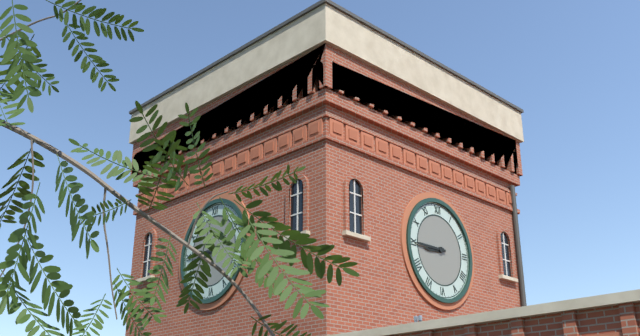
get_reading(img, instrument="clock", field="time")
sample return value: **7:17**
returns **8:45**
